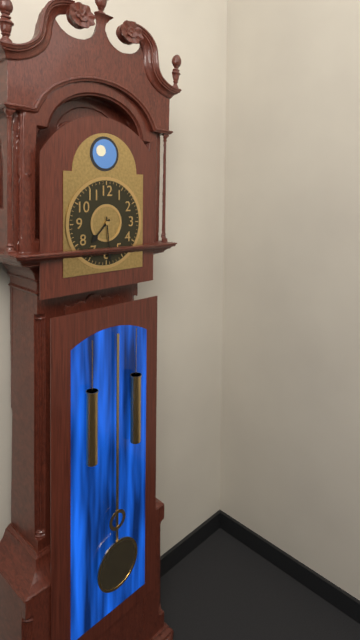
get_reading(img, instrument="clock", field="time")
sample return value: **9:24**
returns **7:29**
